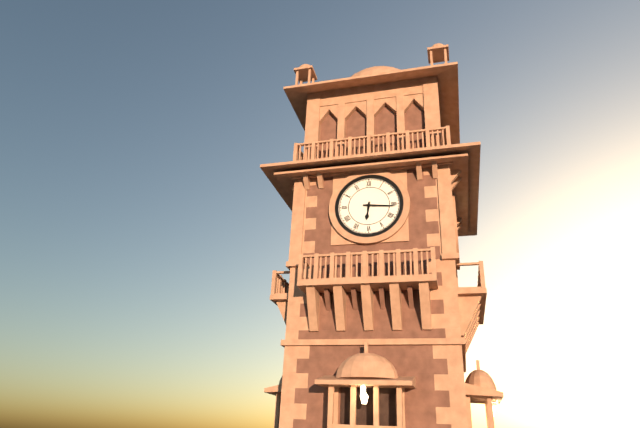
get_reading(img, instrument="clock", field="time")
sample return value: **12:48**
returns **6:16**
